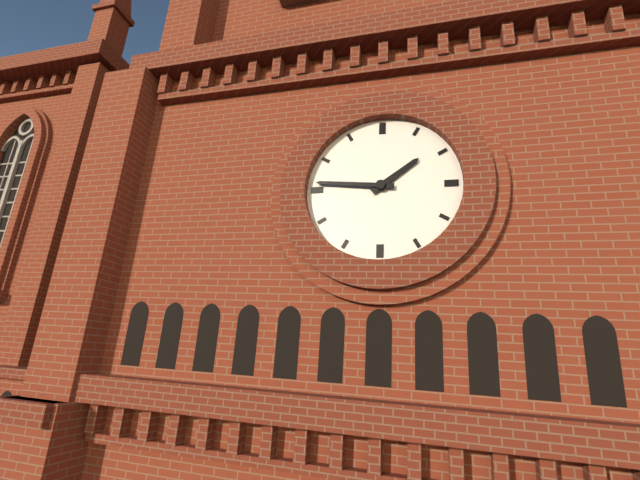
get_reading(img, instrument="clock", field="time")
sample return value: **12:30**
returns **1:46**
